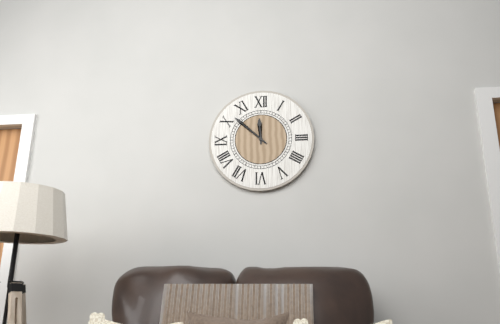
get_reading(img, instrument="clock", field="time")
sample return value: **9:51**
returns **11:52**
